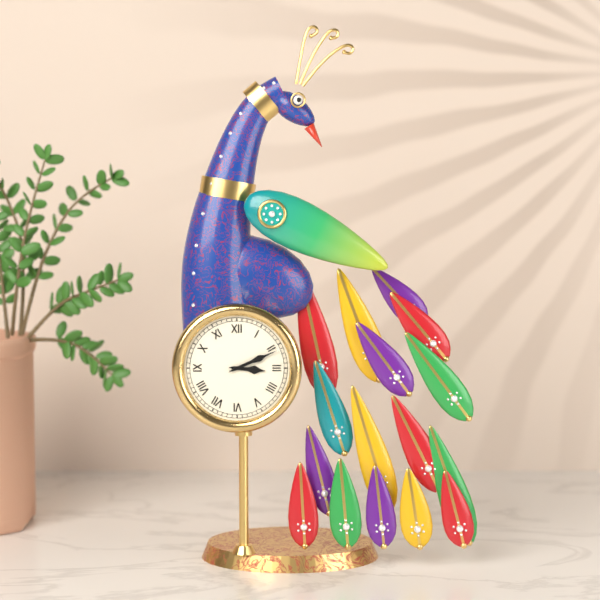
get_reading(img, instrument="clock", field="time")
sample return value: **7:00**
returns **3:11**
